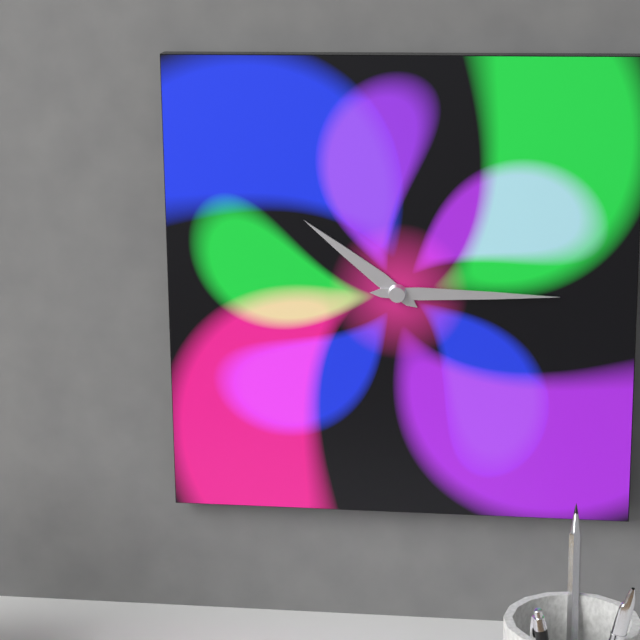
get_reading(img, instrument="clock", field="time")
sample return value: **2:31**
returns **10:15**
